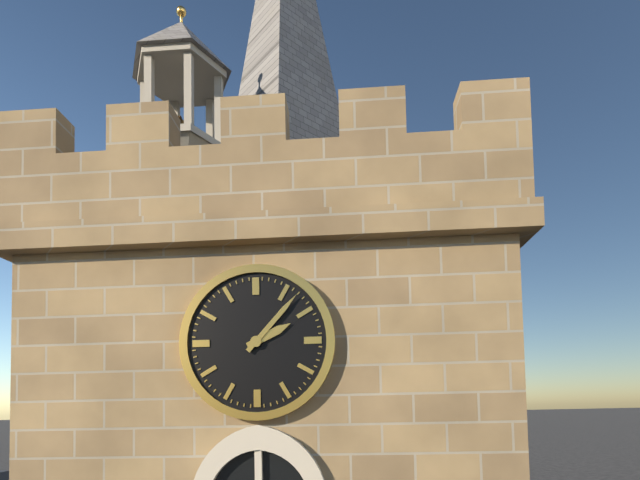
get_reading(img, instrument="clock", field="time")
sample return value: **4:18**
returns **2:07**
